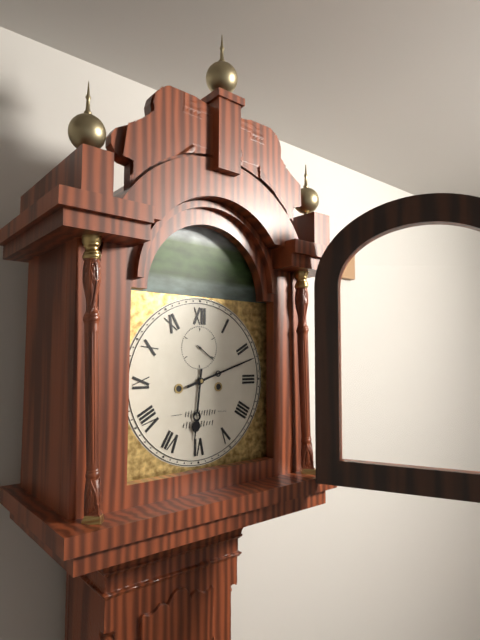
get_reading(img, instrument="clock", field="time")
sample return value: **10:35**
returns **6:12**
